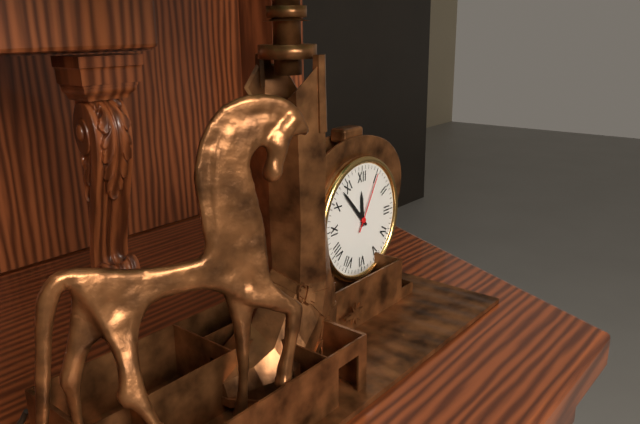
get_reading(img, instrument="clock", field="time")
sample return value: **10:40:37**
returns **11:53:05**
